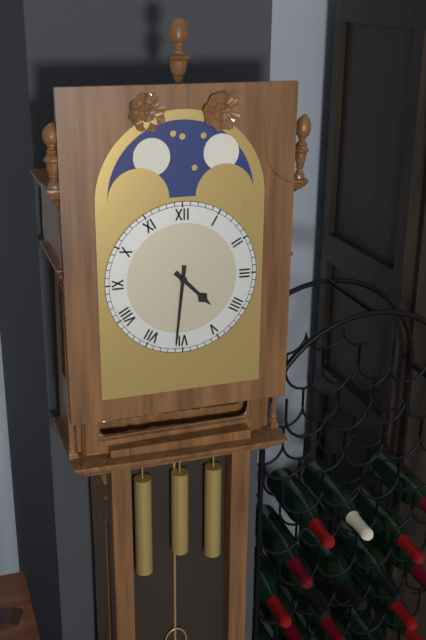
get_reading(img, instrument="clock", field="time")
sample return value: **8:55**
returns **4:31**
